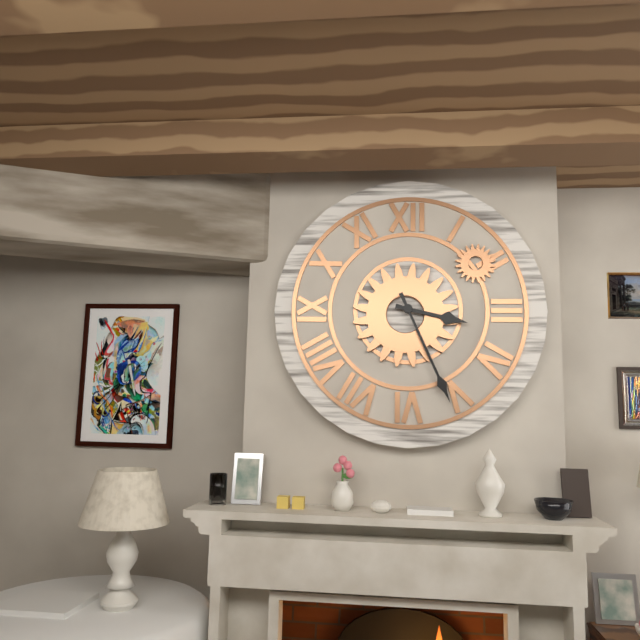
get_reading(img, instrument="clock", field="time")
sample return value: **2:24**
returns **3:26**
